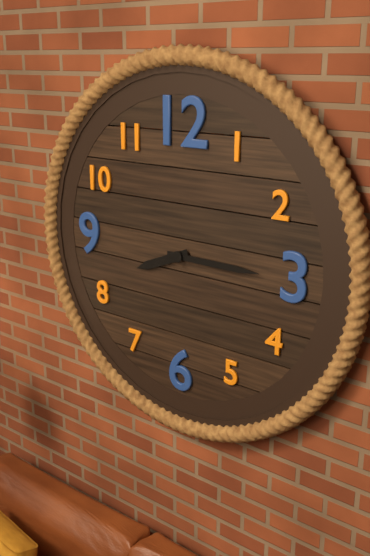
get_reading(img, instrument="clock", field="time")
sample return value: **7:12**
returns **8:15**
